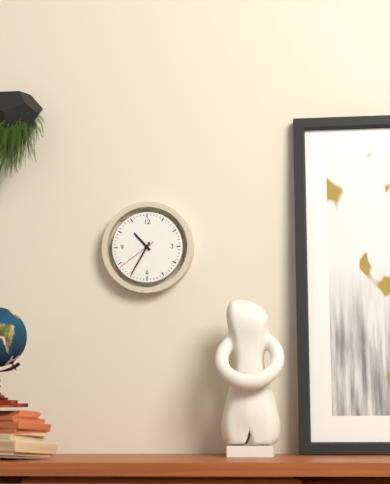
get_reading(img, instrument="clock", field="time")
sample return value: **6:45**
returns **10:35**
